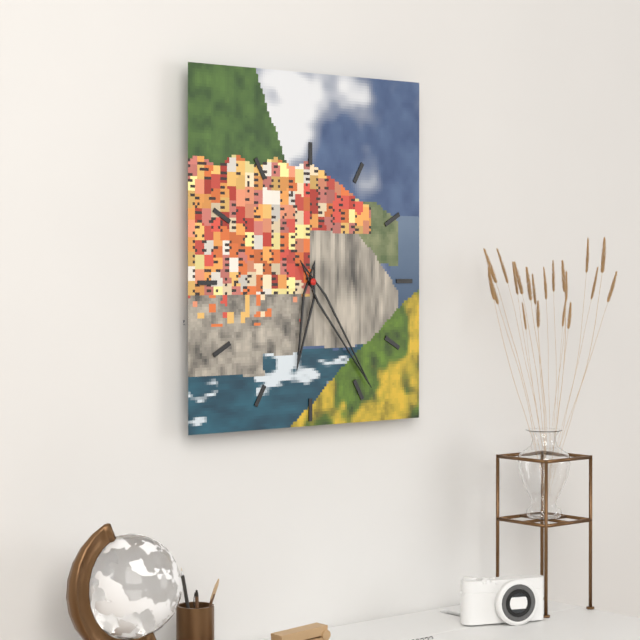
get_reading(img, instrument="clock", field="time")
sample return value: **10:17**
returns **6:24**
